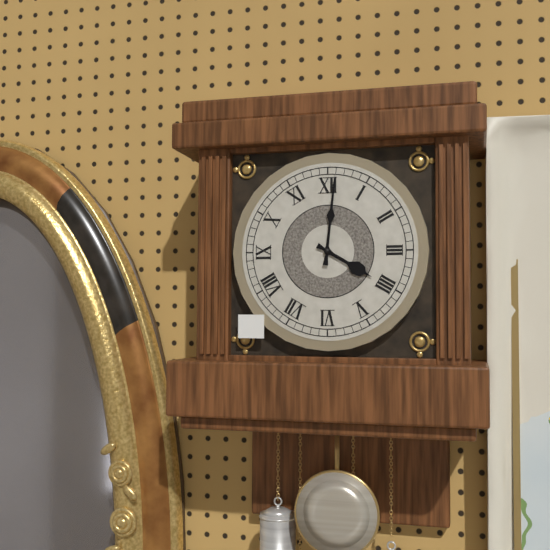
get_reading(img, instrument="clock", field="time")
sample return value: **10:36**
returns **4:01**
